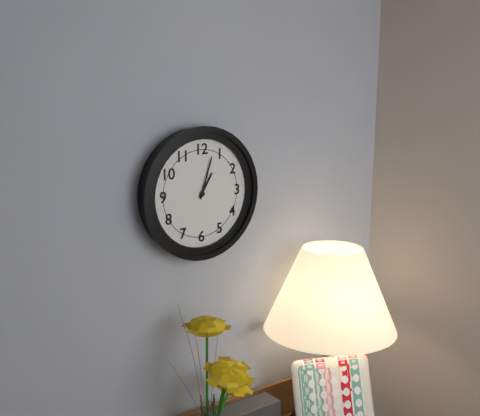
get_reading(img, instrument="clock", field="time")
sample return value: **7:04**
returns **1:03**
